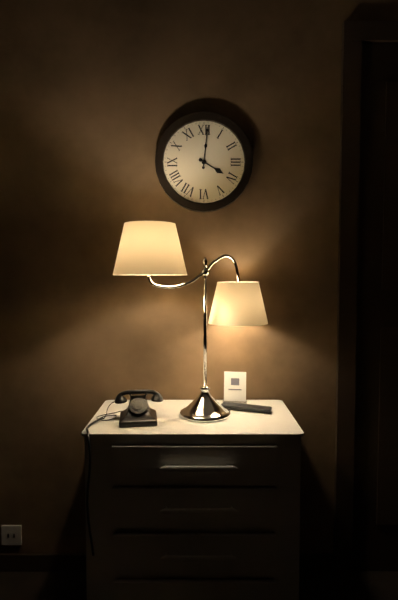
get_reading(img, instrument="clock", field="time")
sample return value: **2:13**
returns **4:01**
